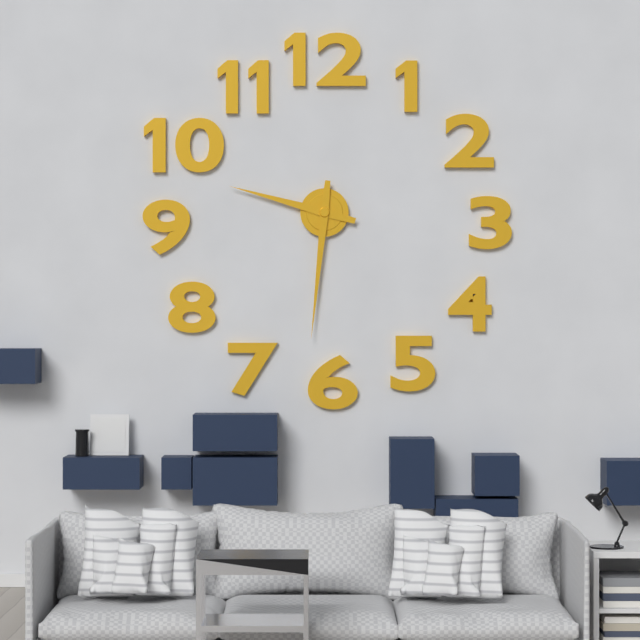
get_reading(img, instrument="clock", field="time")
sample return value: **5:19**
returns **9:31**
